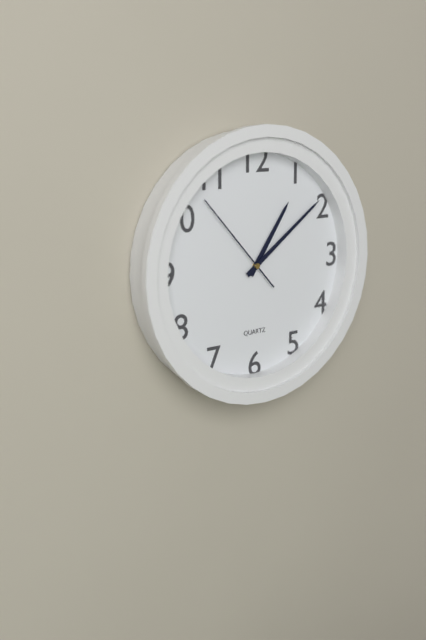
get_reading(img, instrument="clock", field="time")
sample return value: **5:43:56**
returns **1:09:53**
